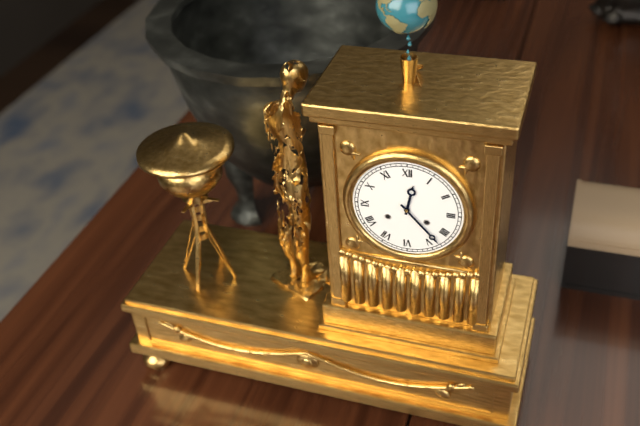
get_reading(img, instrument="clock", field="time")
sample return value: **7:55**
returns **12:23**
